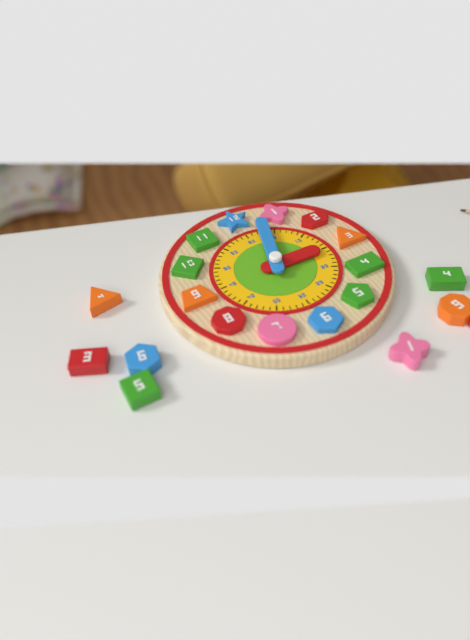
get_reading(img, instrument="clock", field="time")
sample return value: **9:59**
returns **3:03**
